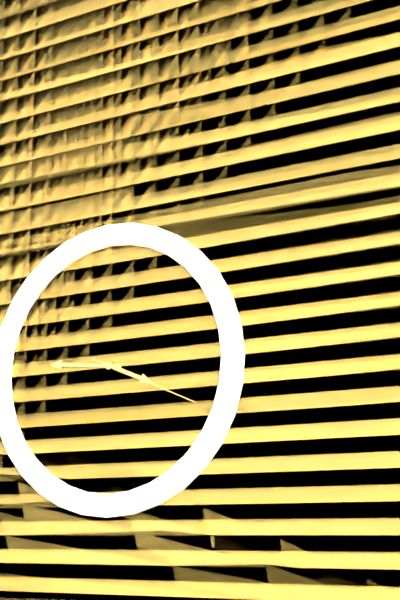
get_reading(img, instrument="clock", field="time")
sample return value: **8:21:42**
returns **3:46:19**
